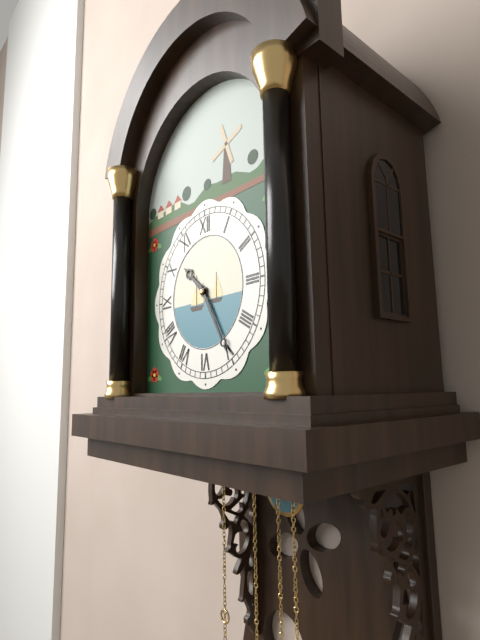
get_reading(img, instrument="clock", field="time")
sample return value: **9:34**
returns **10:25**
